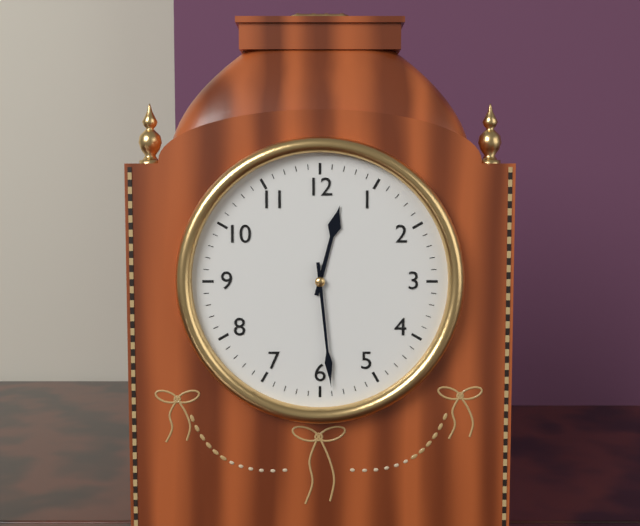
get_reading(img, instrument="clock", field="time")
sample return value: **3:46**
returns **12:29**
